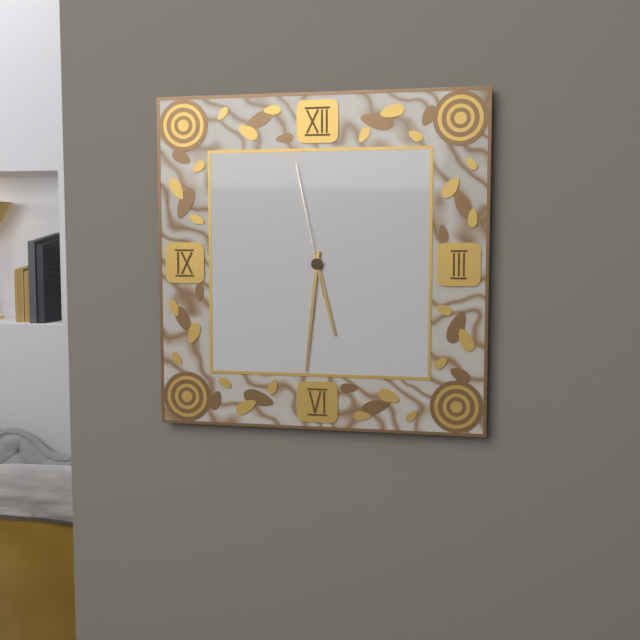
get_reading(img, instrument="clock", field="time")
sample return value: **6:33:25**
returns **5:31:58**
